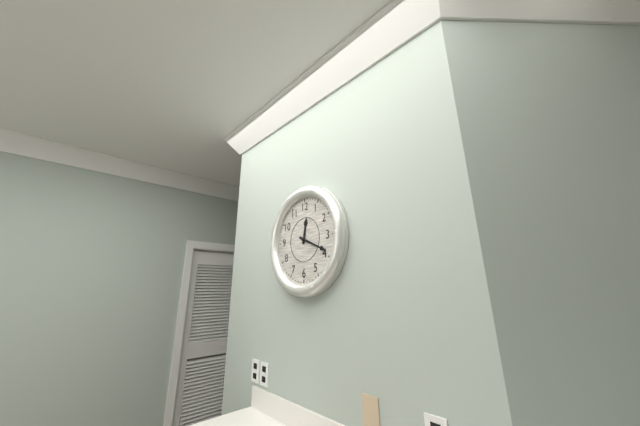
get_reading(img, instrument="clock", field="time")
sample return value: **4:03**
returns **12:19**
